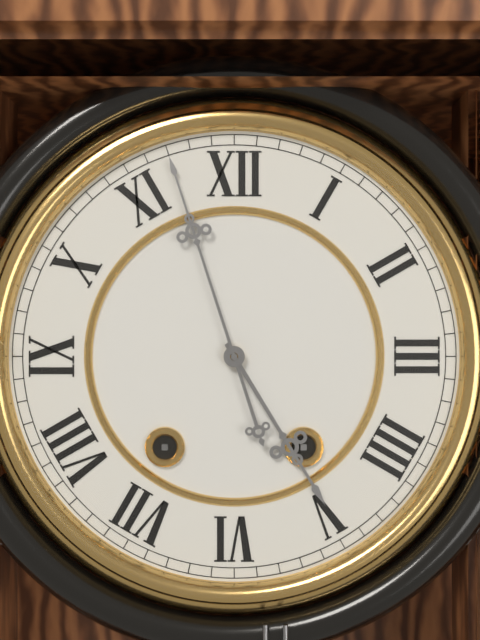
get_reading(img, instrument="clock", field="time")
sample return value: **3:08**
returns **4:57**
